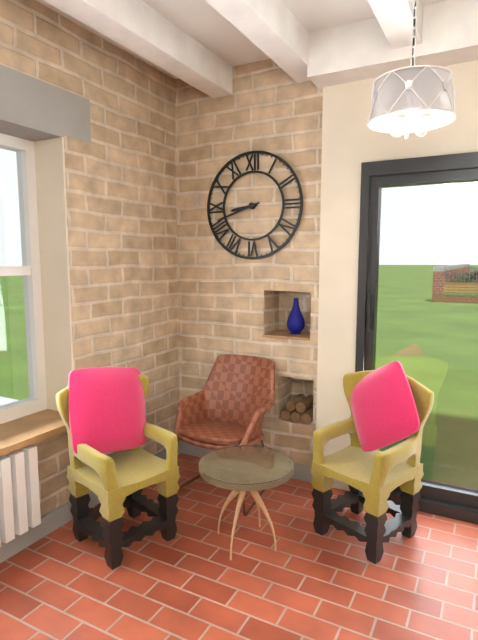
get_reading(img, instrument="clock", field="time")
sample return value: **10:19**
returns **8:42**
